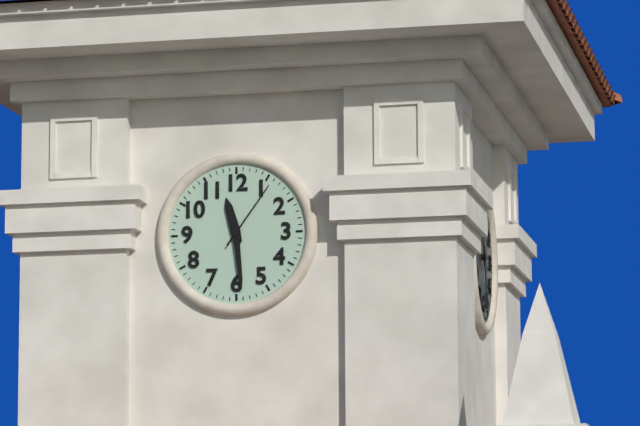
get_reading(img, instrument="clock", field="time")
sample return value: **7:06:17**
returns **11:29:06**
